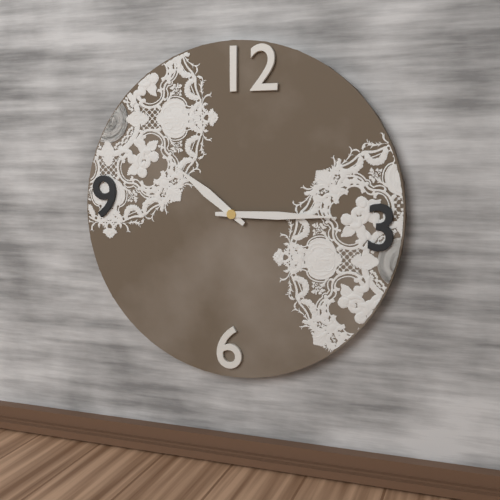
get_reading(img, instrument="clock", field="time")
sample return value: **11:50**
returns **10:15**
